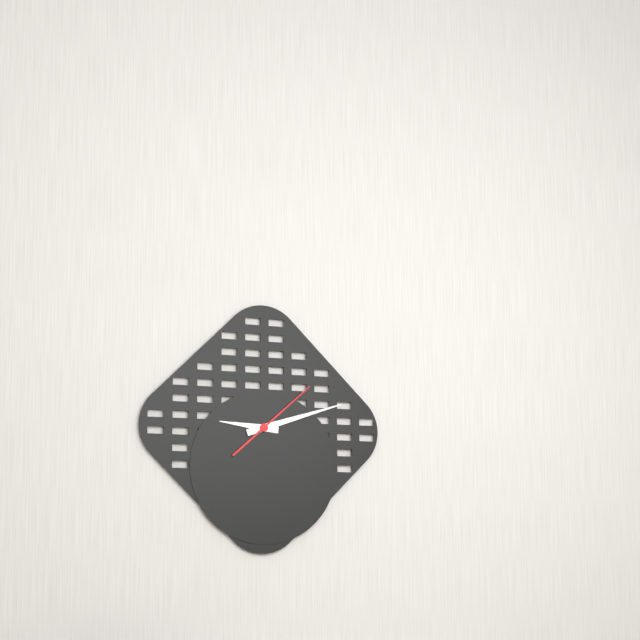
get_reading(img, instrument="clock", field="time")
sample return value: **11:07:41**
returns **9:12:08**
